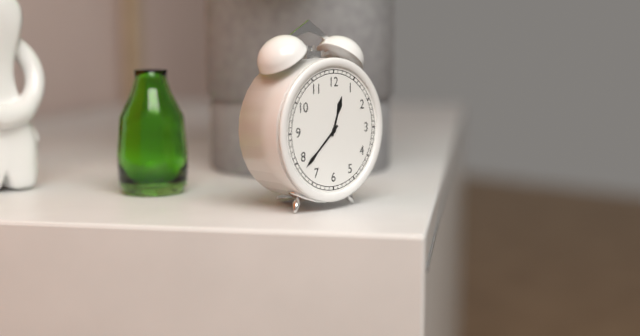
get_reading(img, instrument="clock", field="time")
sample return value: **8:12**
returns **12:38**
